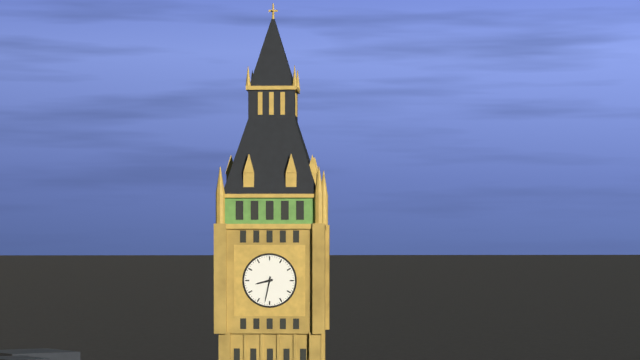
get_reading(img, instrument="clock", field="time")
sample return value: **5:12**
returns **8:32**
